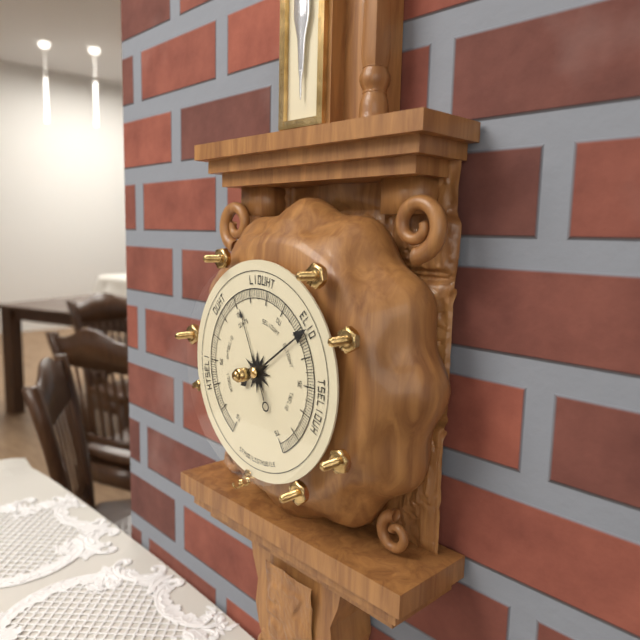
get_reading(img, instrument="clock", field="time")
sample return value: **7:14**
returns **11:09**
